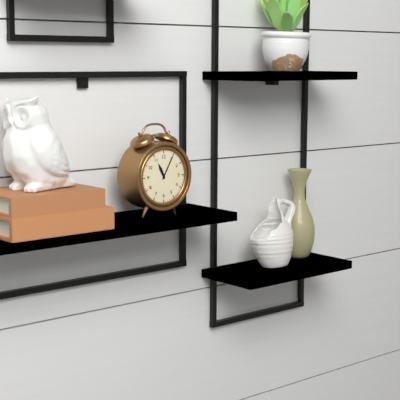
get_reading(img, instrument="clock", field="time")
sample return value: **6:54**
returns **11:05**
